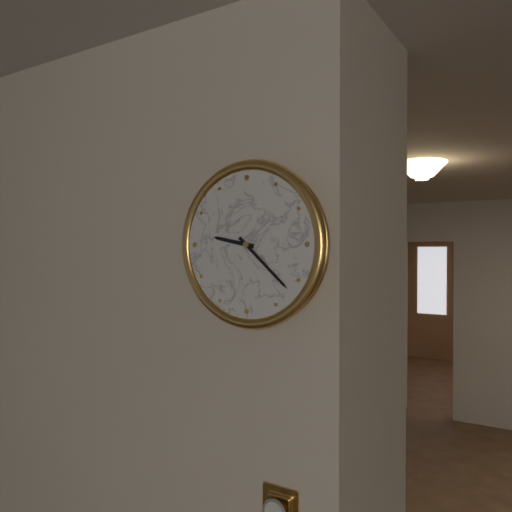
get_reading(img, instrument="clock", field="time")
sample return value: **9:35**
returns **9:22**
